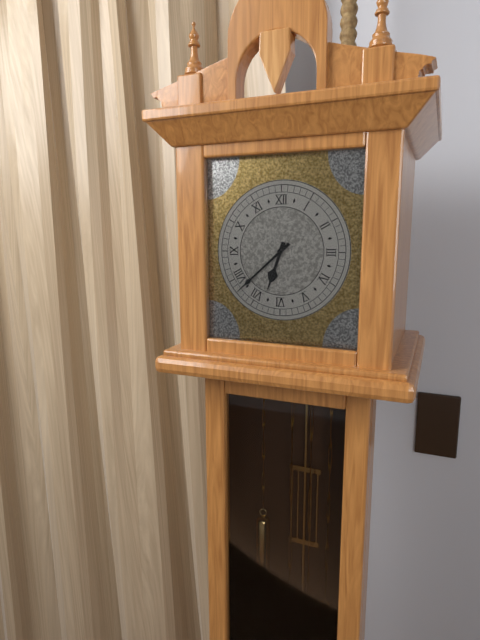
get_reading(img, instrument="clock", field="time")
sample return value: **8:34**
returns **6:38**
